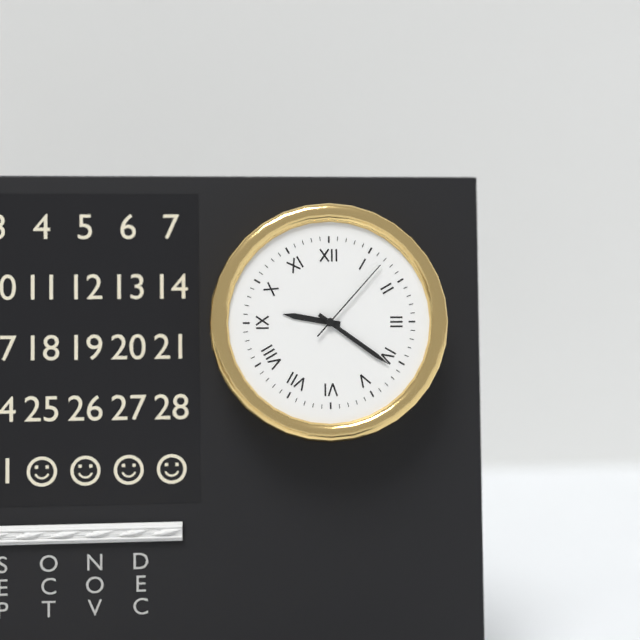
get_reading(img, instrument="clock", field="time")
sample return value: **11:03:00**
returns **9:21:07**
